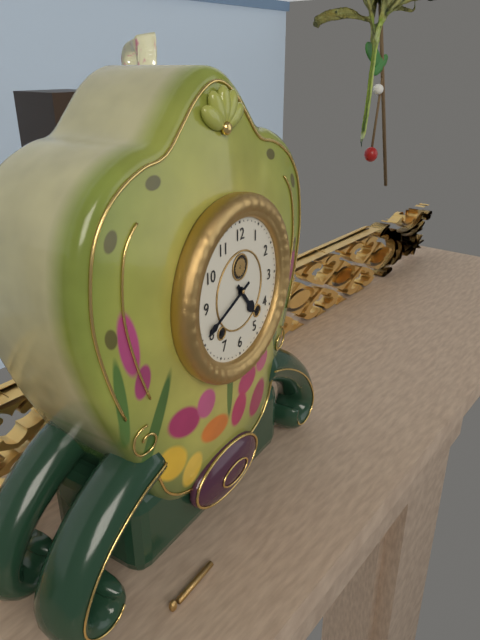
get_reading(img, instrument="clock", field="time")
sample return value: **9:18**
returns **4:41**
